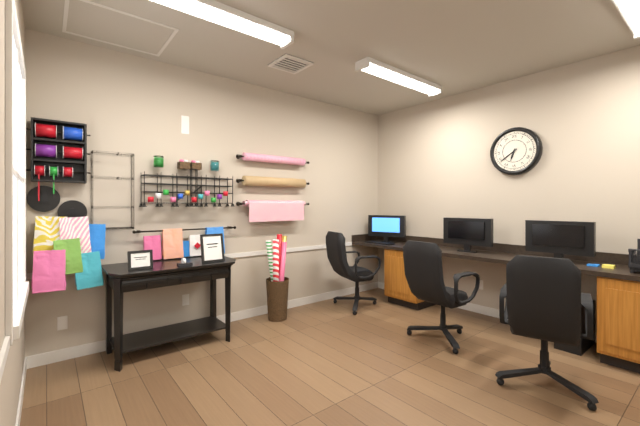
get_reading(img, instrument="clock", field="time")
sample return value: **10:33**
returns **6:39**
